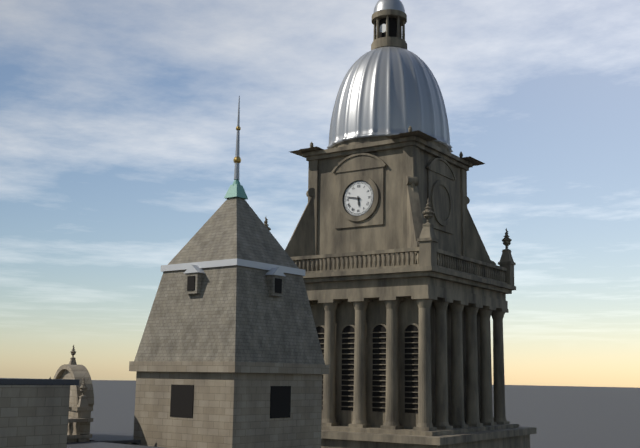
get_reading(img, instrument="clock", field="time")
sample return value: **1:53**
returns **5:47**
